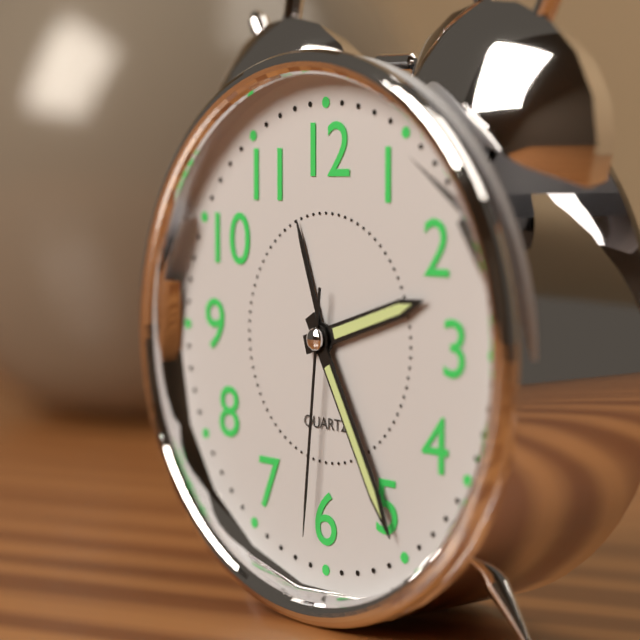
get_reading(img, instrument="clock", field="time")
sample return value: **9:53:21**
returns **2:25:31**
